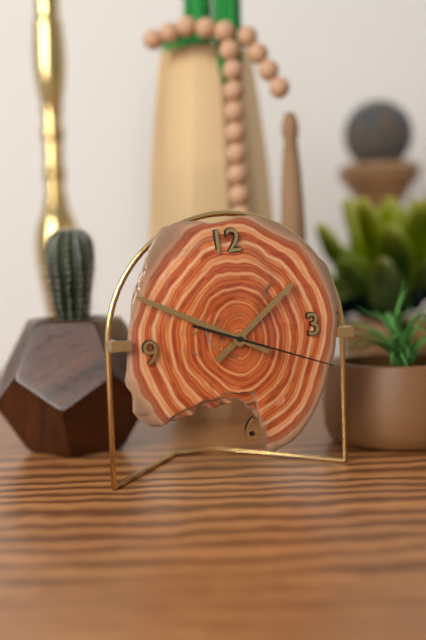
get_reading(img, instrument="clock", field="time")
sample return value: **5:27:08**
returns **1:50:19**
